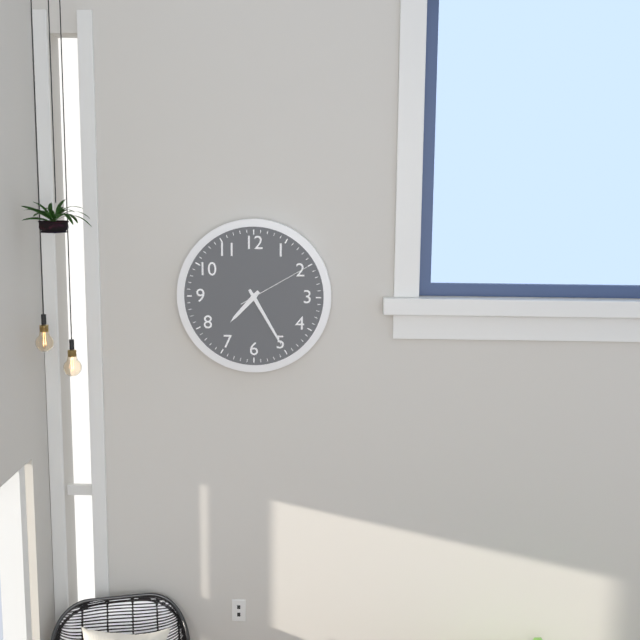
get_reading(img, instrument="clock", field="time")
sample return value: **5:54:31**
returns **7:25:10**
